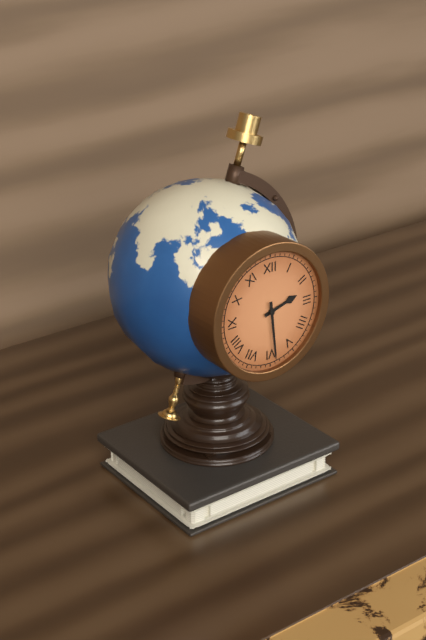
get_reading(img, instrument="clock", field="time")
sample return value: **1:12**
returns **2:29**
